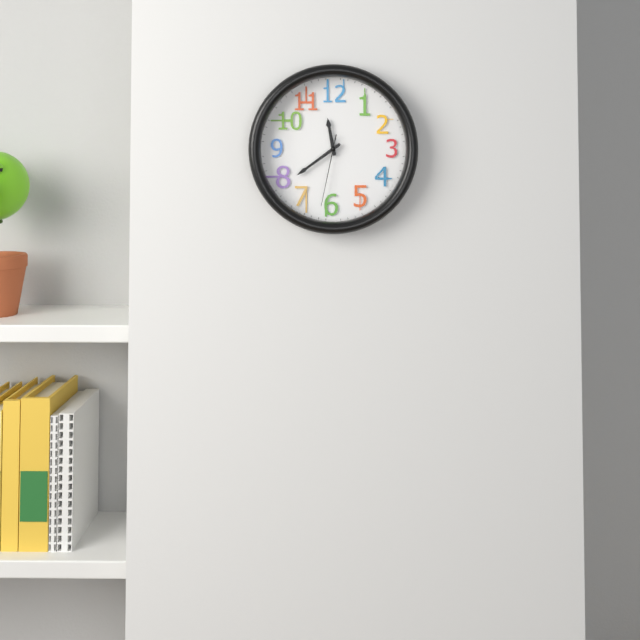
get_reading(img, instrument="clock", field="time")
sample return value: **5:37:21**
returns **11:39:32**
